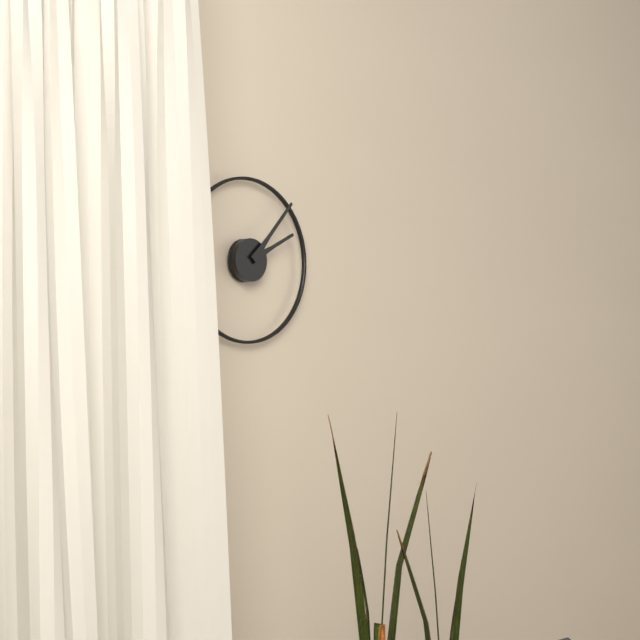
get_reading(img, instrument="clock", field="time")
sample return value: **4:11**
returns **2:07**
